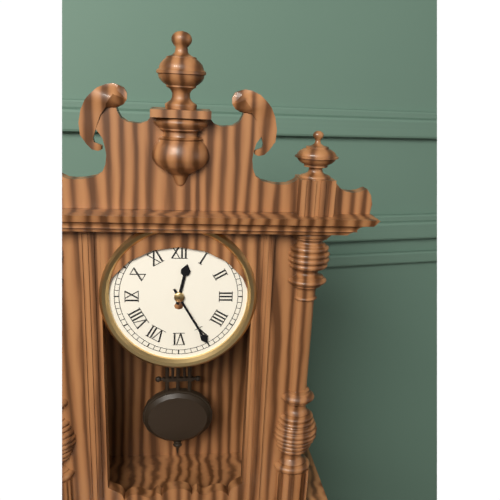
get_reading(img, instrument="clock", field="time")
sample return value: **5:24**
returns **12:25**
